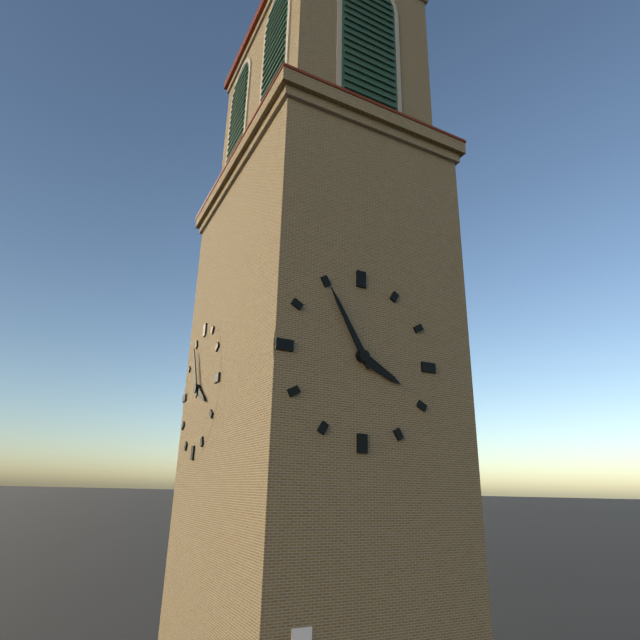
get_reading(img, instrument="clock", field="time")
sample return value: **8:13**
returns **3:55**
